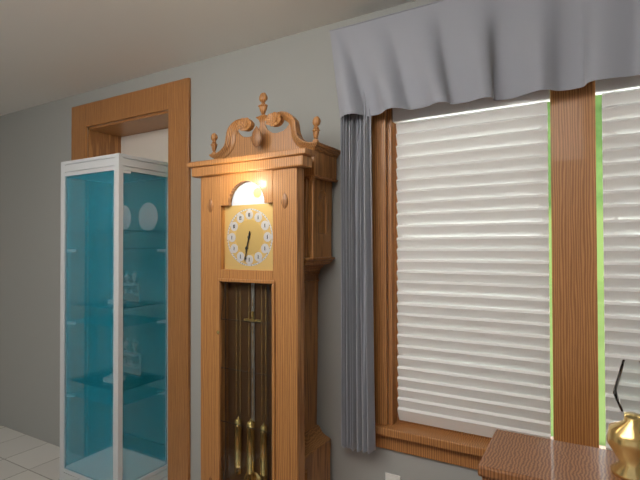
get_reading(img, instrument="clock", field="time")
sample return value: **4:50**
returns **6:32**
